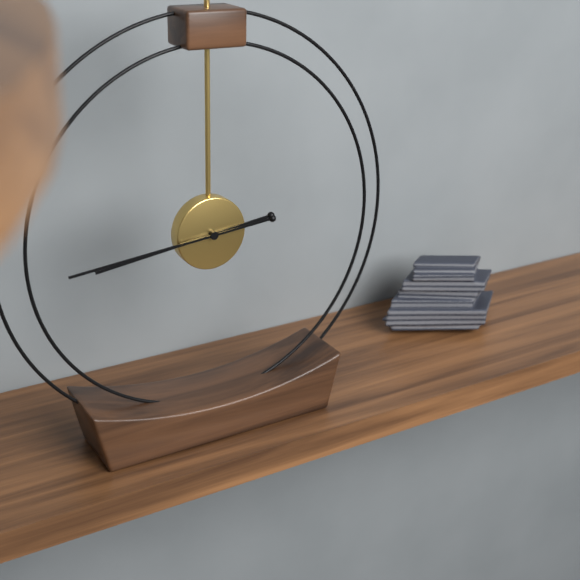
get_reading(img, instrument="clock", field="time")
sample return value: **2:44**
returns **8:44**
